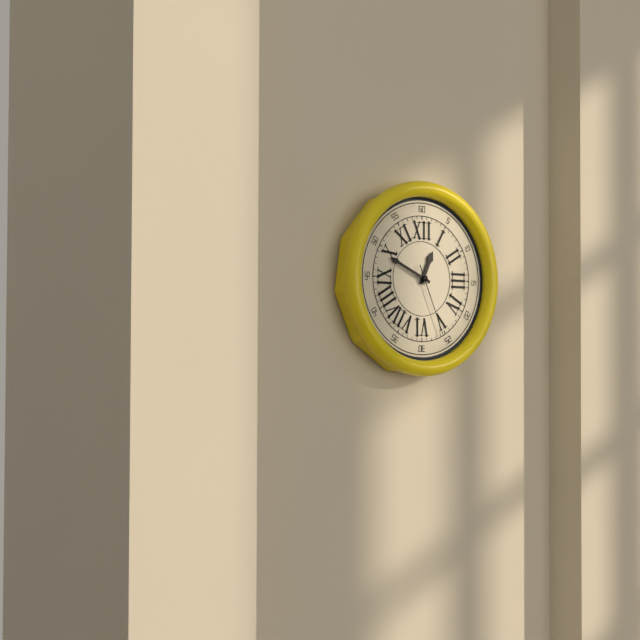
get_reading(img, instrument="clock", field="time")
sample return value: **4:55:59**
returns **12:49:26**
